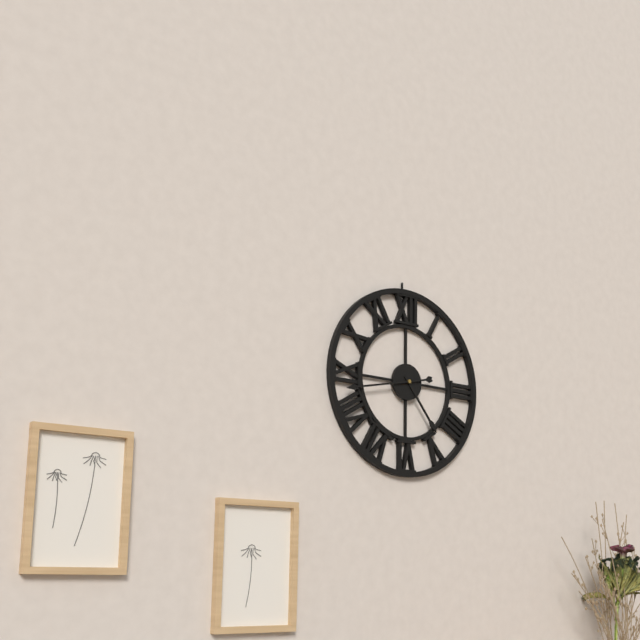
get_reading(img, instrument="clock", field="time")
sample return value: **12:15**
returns **4:43**
